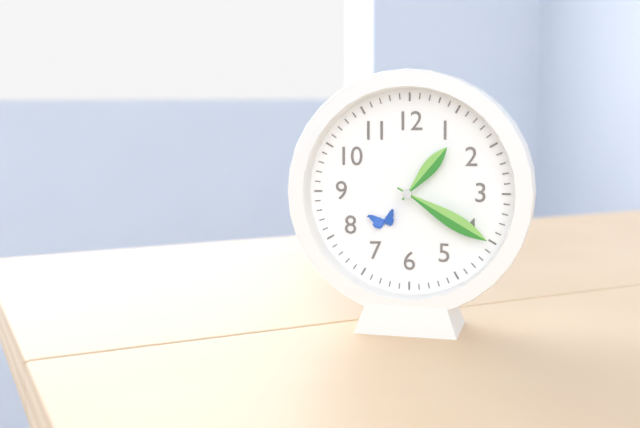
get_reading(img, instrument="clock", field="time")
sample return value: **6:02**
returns **1:20**
